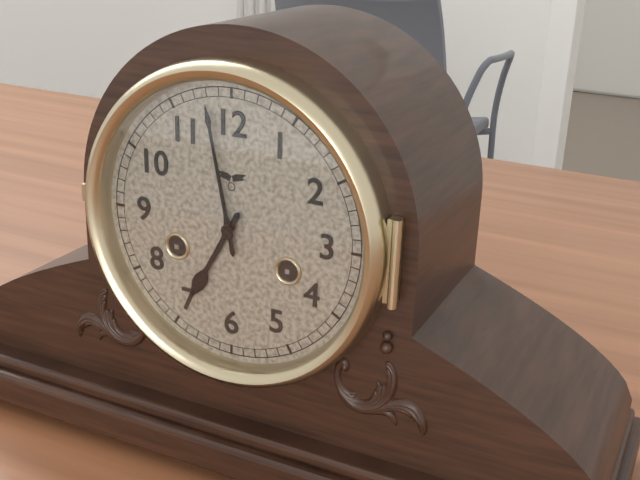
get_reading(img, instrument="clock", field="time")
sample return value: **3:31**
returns **6:58**
